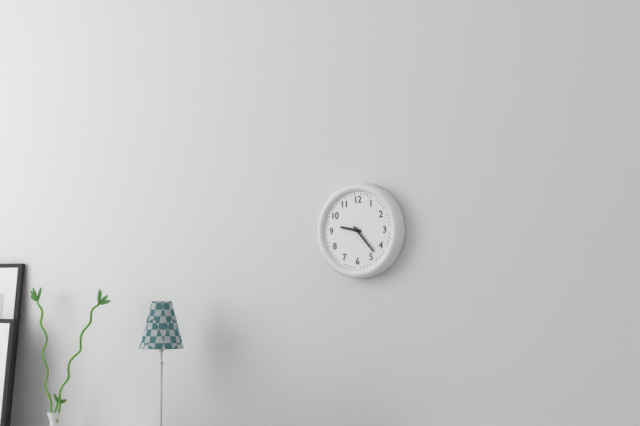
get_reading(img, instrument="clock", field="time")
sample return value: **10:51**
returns **9:23**
